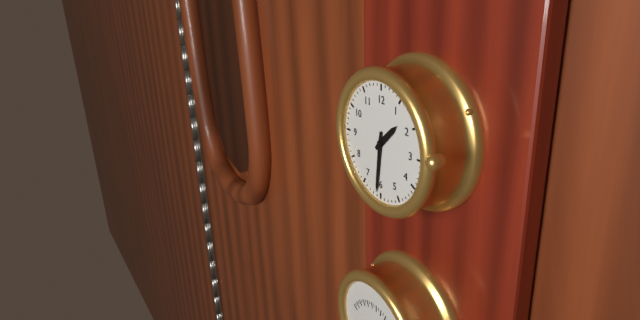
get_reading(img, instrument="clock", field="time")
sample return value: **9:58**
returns **1:31**
